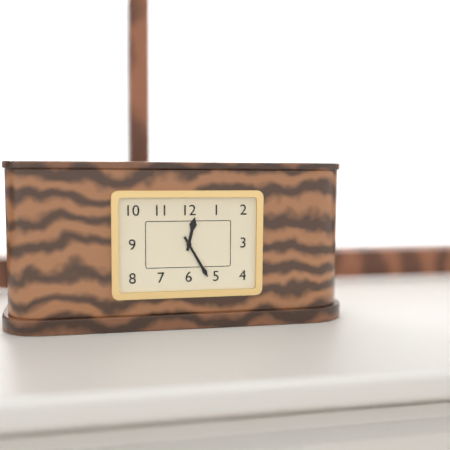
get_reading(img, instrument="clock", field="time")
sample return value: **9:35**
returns **12:25**
